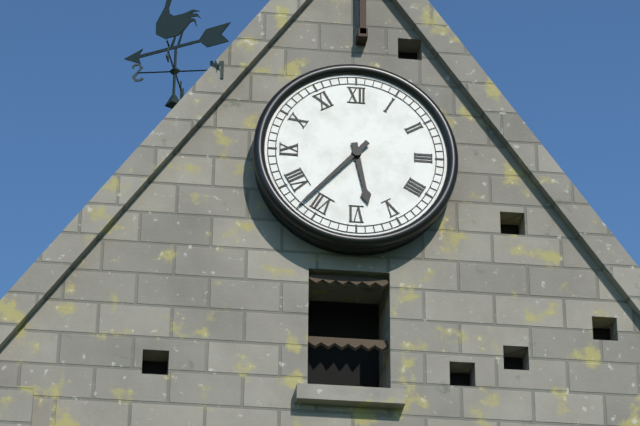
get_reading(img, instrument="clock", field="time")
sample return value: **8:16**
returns **5:37**
